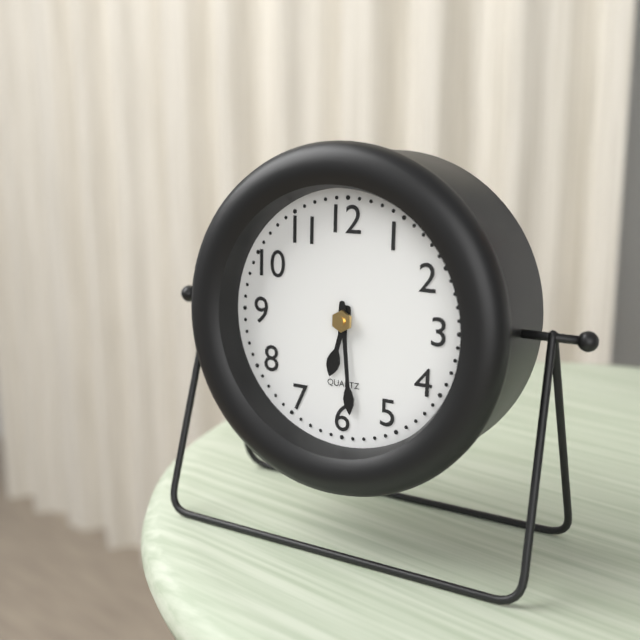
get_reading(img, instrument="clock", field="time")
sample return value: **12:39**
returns **6:29**
